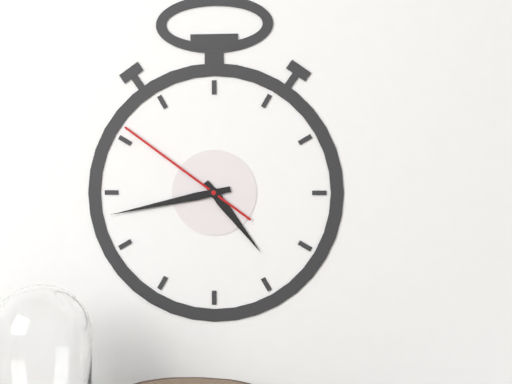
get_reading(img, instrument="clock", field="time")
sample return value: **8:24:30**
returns **4:43:51**
